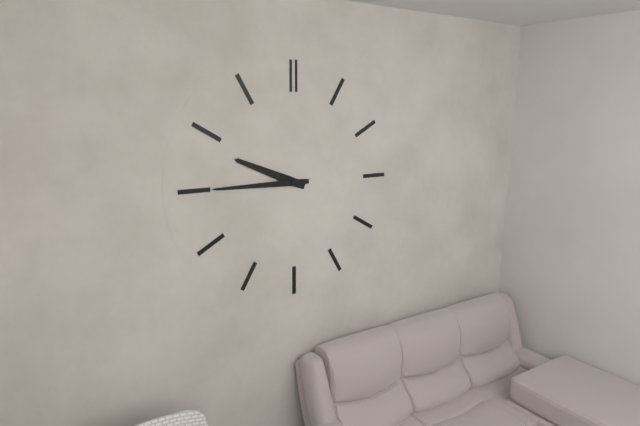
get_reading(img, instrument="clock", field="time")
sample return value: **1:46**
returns **9:45**
